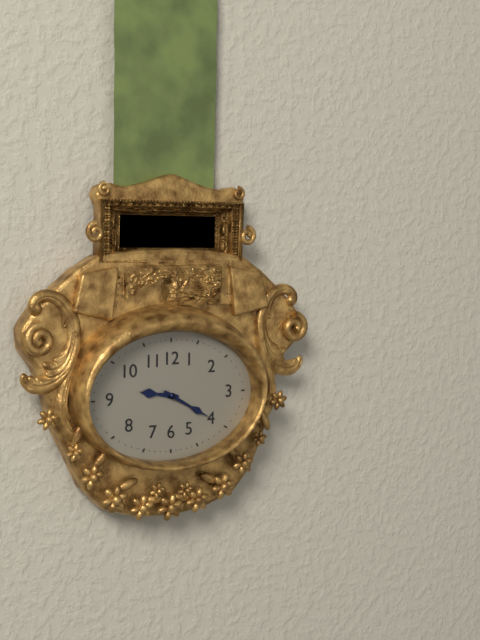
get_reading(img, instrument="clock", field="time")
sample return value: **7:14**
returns **9:20**
